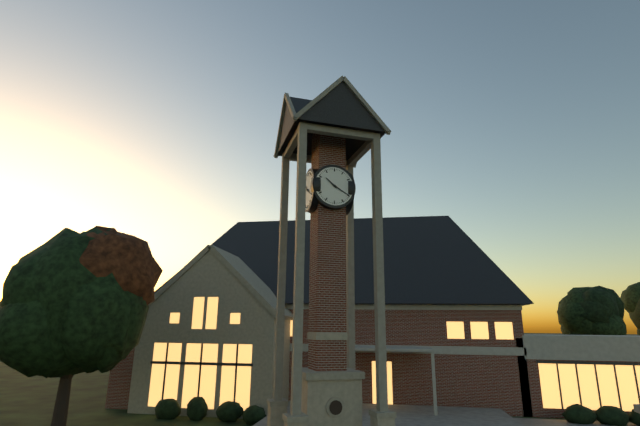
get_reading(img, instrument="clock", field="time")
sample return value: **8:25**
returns **10:20**
